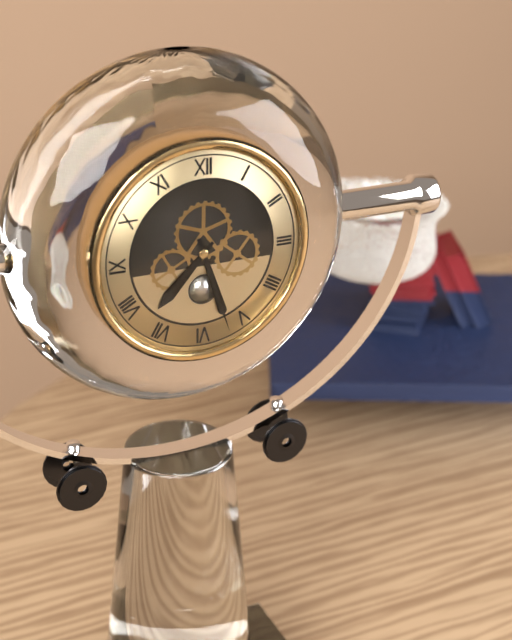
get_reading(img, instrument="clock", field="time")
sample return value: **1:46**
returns **7:27**
